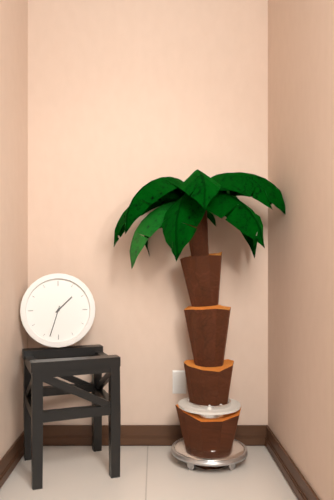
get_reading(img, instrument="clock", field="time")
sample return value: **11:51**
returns **1:33**
